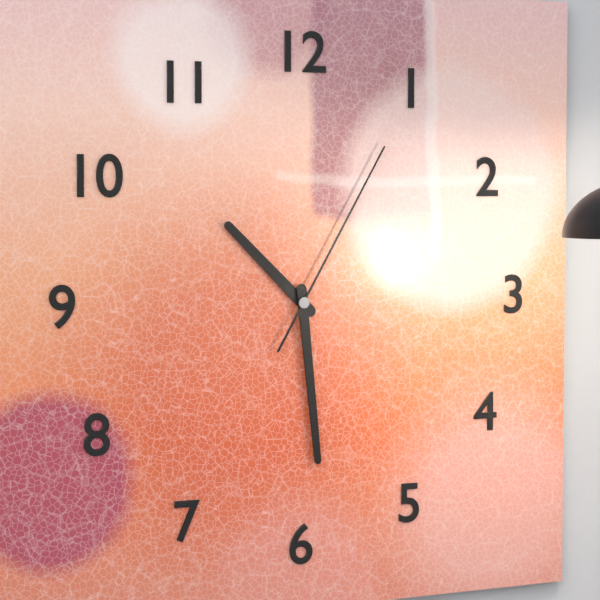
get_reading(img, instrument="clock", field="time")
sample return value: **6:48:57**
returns **10:29:05**
